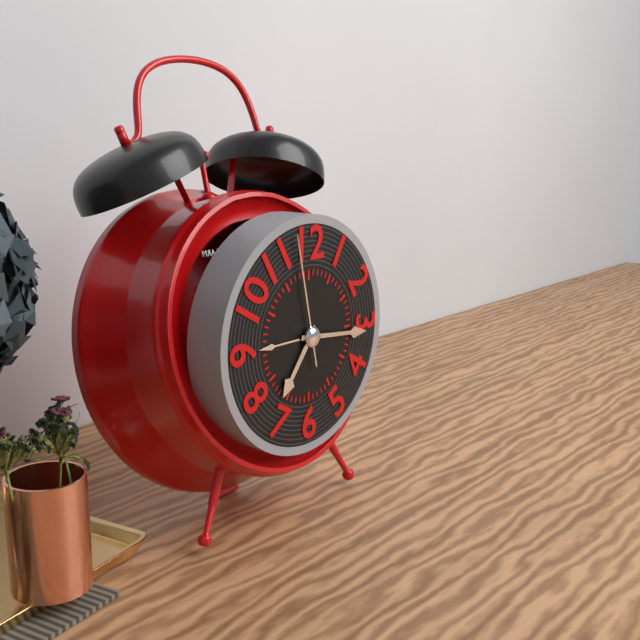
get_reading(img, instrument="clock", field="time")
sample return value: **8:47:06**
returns **7:16:58**
